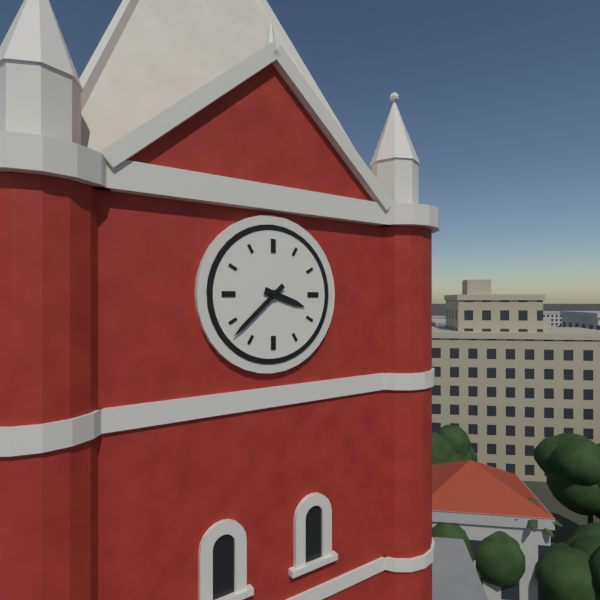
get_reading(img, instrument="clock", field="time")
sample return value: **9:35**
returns **3:38**
